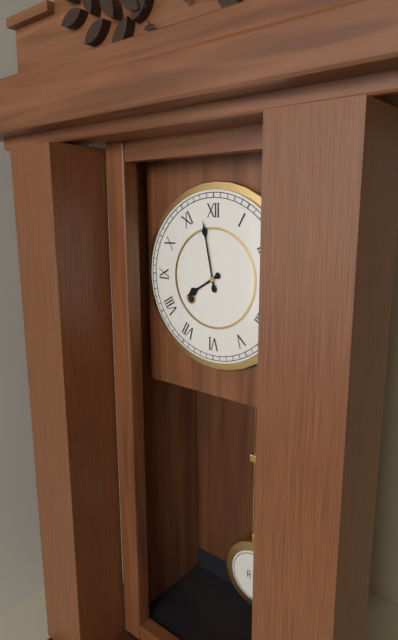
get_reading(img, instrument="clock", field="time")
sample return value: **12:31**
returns **7:58**
